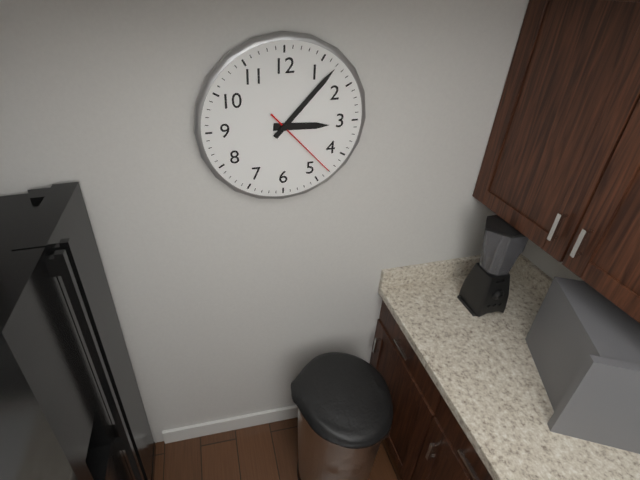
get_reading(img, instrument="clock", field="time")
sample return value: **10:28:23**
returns **3:07:23**
